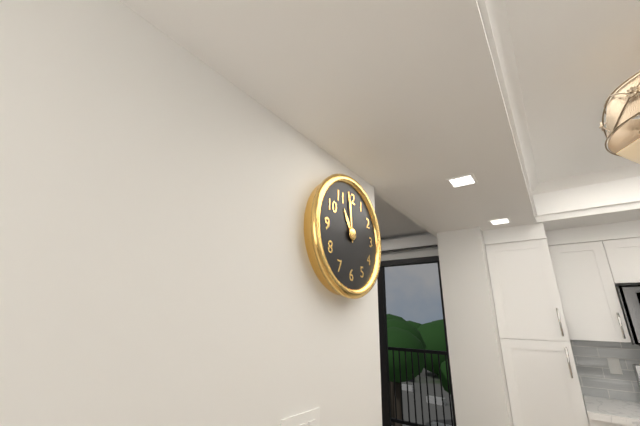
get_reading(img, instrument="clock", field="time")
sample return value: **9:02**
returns **10:59**
